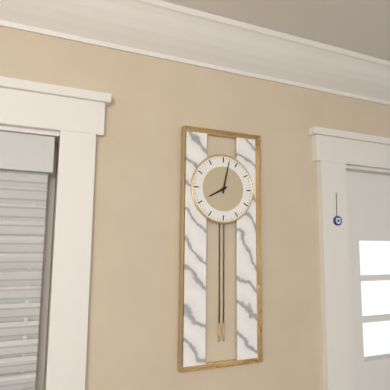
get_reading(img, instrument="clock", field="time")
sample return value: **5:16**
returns **8:02**
